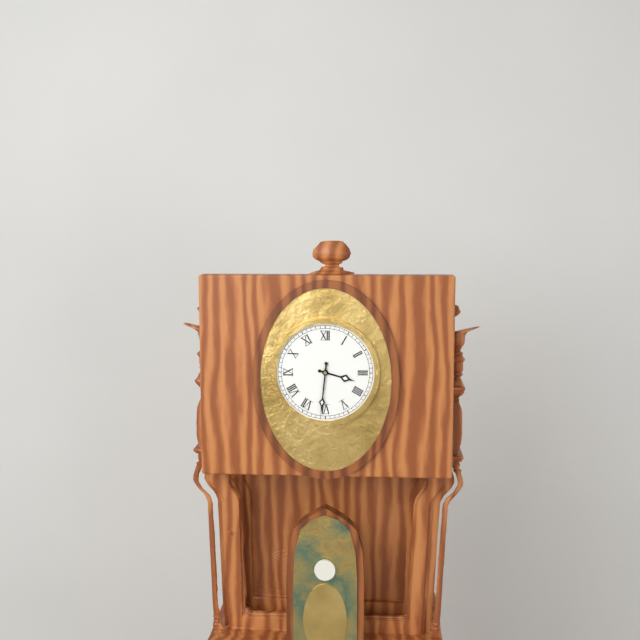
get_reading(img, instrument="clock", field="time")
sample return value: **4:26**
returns **3:31**
